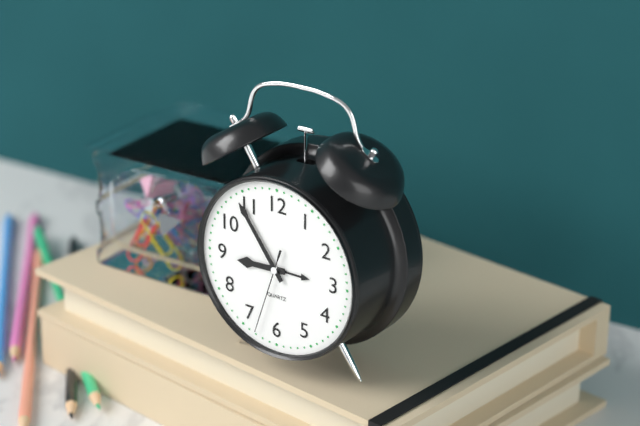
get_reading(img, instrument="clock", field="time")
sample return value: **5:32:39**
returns **8:54:33**
